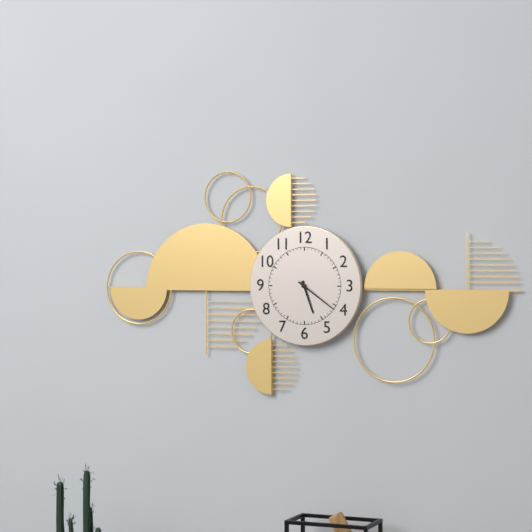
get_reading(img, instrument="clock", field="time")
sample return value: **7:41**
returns **5:21**
